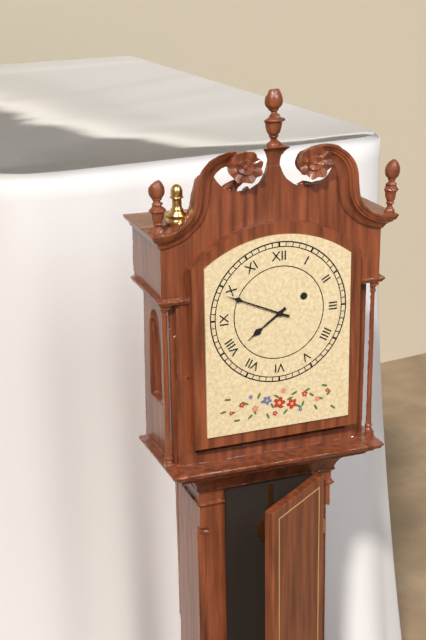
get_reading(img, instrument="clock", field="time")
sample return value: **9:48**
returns **7:49**
